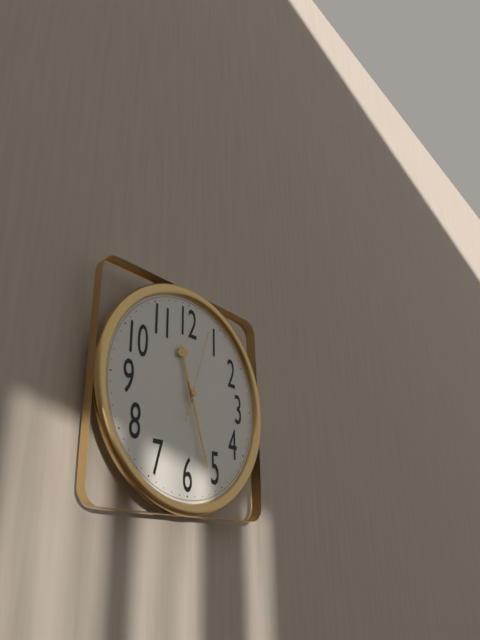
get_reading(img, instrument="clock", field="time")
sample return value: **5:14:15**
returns **11:27:03**
